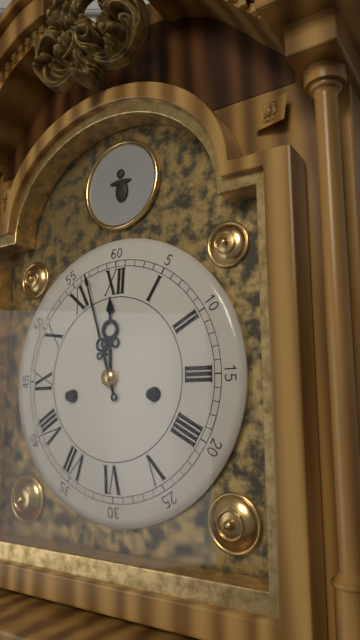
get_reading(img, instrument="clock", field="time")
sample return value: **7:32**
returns **11:57**
